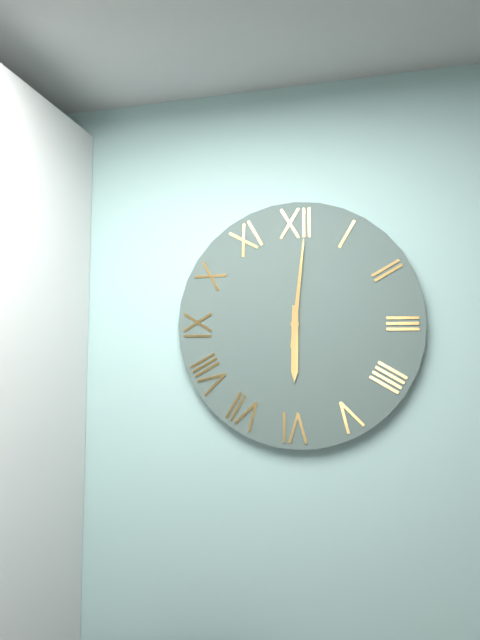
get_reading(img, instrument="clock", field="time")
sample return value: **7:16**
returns **6:01**
